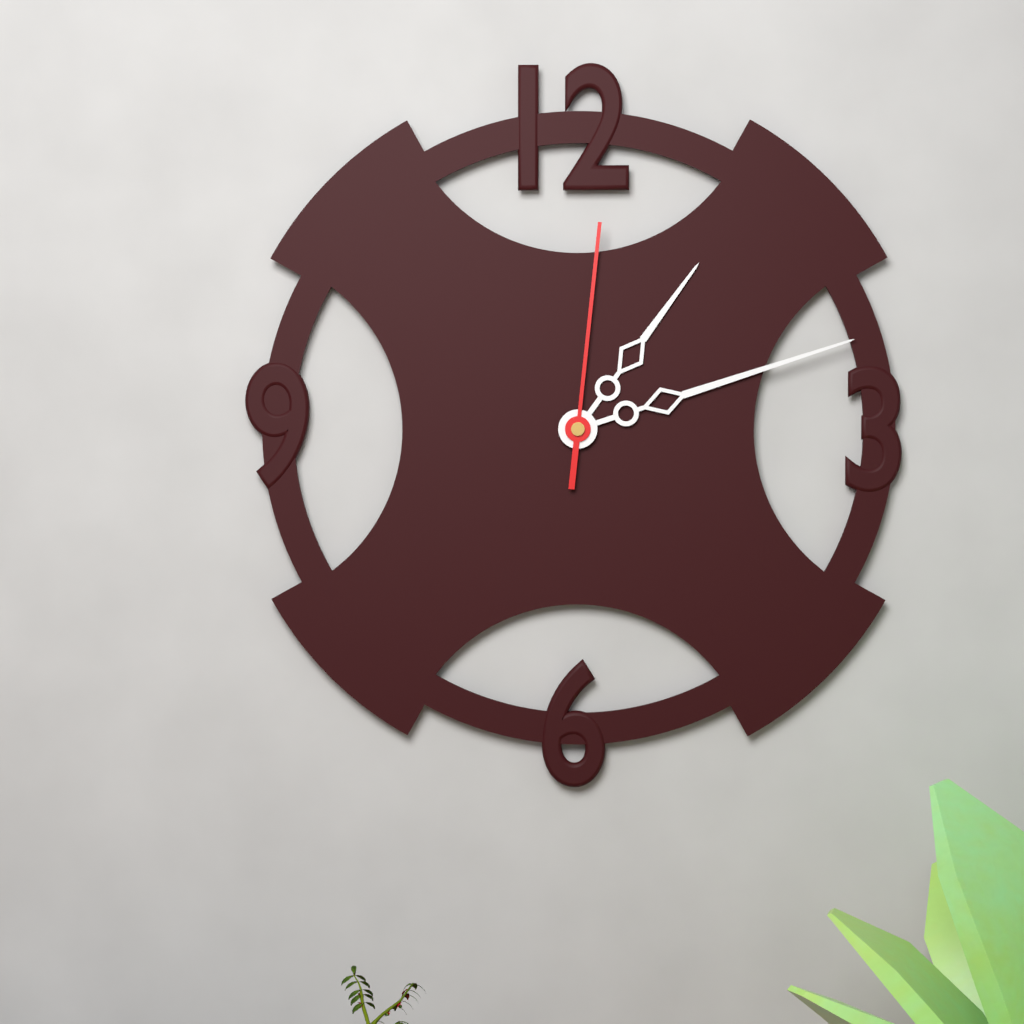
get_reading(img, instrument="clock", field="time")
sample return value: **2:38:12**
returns **1:12:01**
